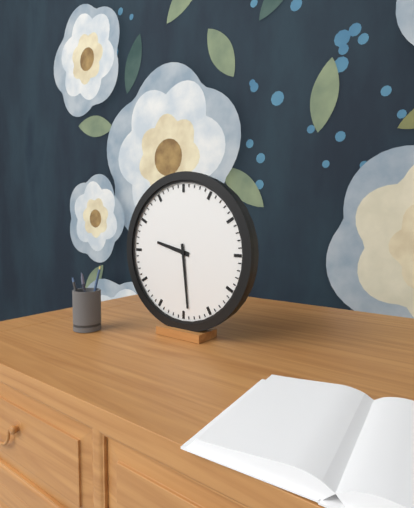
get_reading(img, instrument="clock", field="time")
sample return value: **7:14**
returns **9:29**
